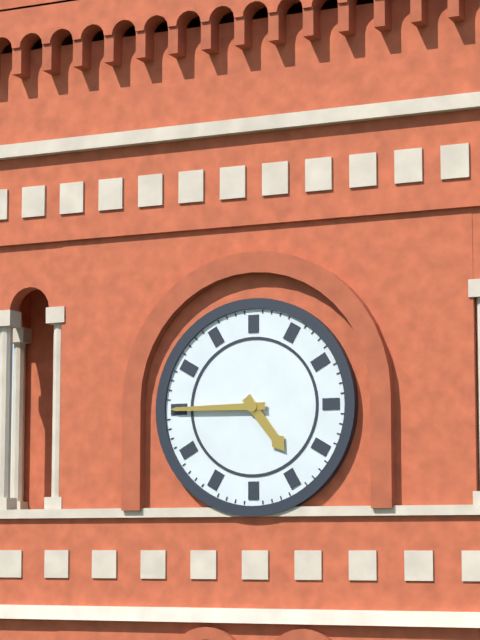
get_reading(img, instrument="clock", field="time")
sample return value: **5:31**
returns **4:45**
